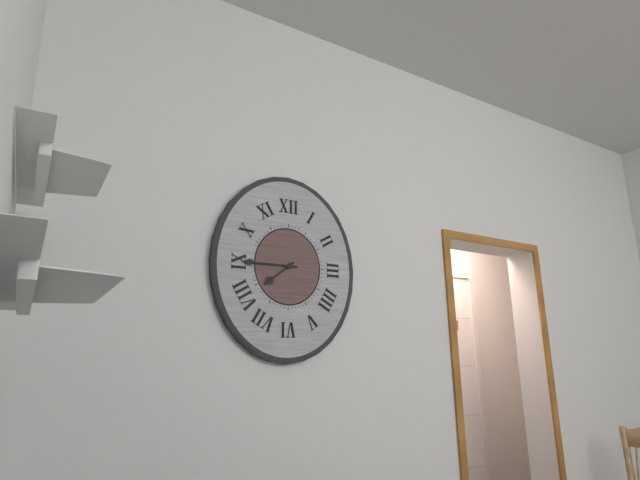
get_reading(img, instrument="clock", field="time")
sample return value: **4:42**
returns **7:45**
